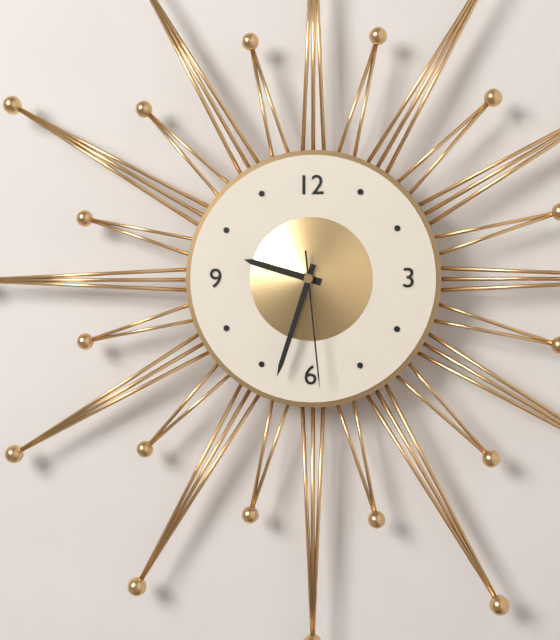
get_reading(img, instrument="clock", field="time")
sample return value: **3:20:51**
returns **9:33:29**
